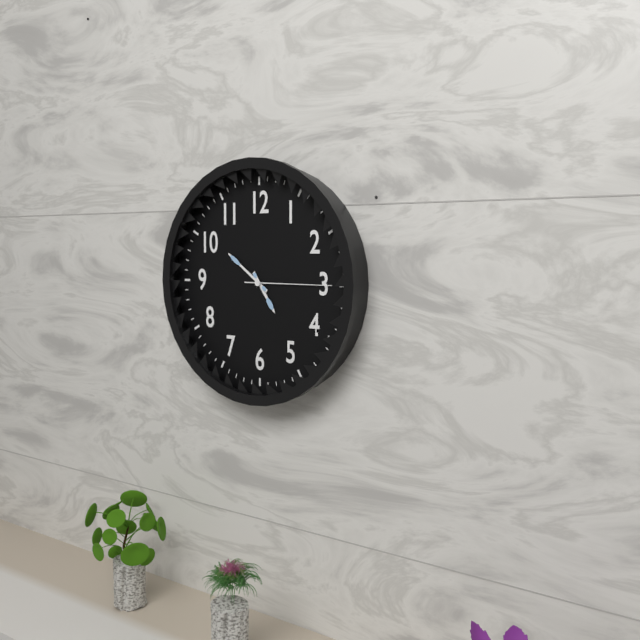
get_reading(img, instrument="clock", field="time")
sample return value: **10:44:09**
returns **4:51:15**
